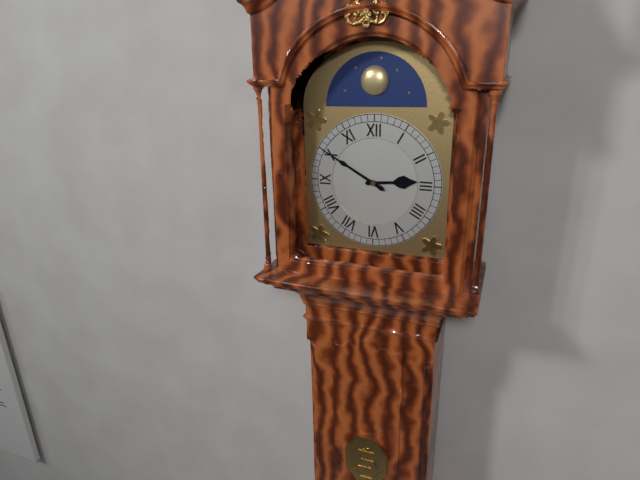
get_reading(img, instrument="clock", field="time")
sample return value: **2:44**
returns **2:50**
